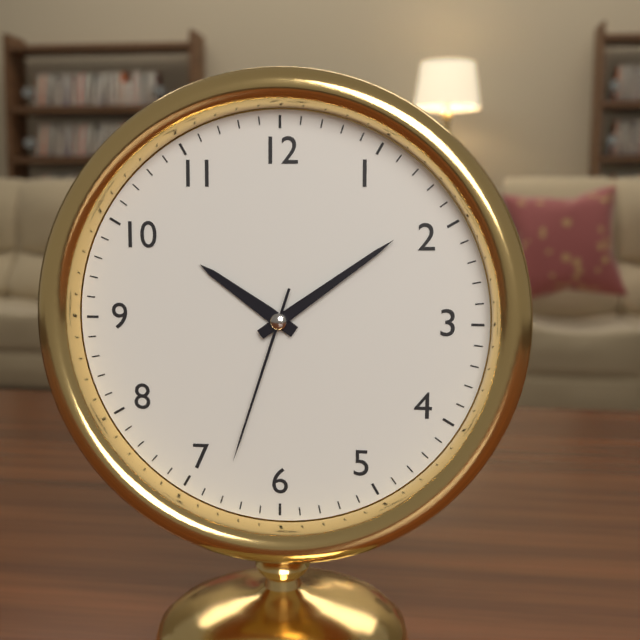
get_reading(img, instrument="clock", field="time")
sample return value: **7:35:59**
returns **10:09:33**
